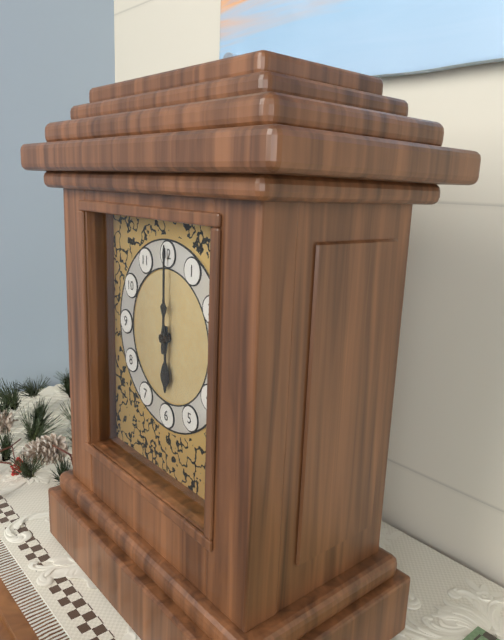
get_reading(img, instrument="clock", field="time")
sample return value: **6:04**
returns **6:00**
